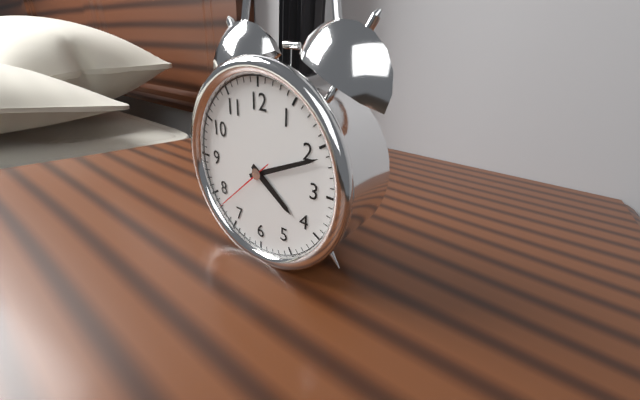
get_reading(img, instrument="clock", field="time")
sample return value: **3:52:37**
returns **4:11:38**
